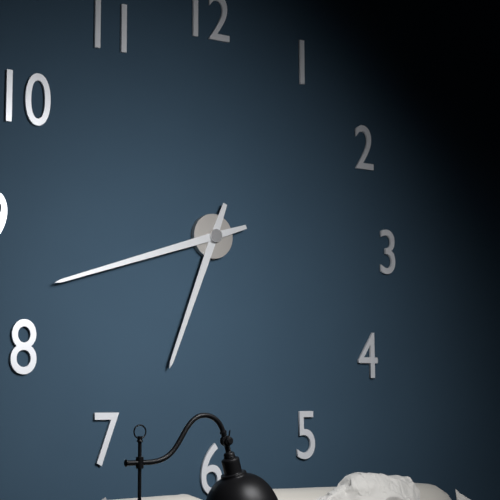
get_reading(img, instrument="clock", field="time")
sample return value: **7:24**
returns **6:42**
